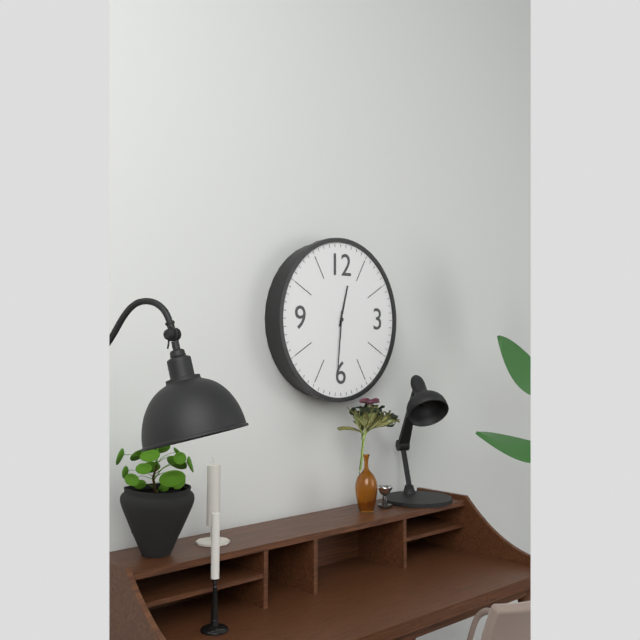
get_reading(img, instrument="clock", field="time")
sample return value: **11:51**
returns **12:31**
